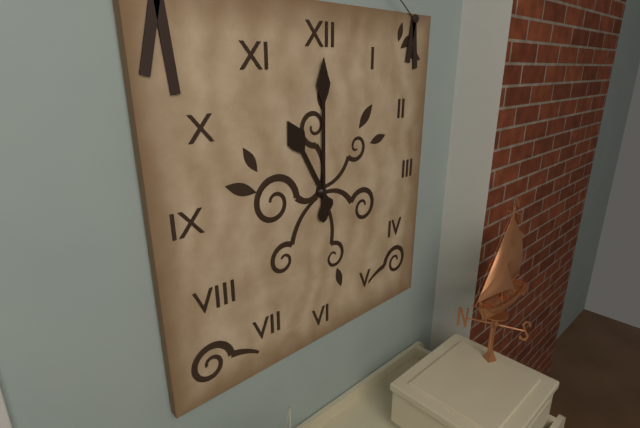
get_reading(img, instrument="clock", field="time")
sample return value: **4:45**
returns **11:00**
